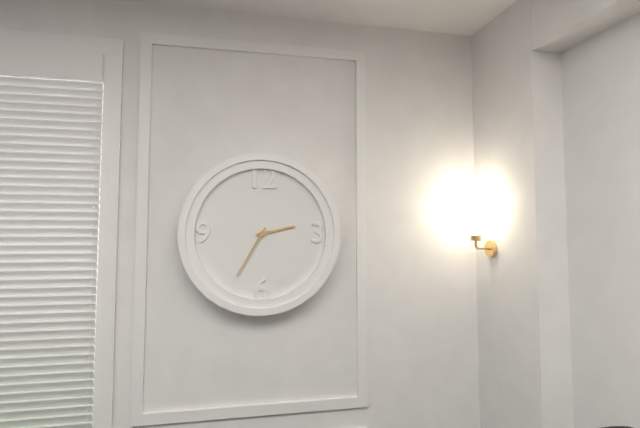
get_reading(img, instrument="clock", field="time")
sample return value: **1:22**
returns **2:35**
